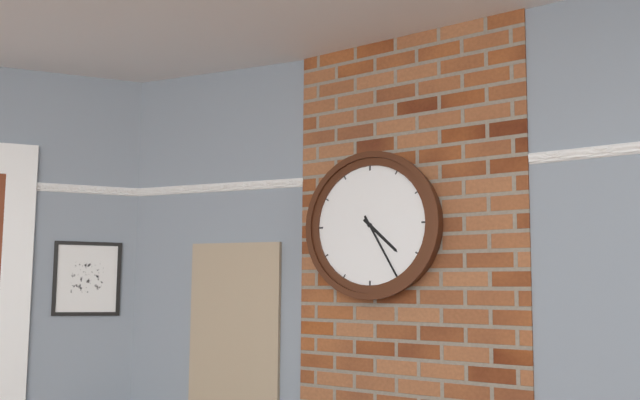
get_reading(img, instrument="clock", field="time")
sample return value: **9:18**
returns **4:25**
